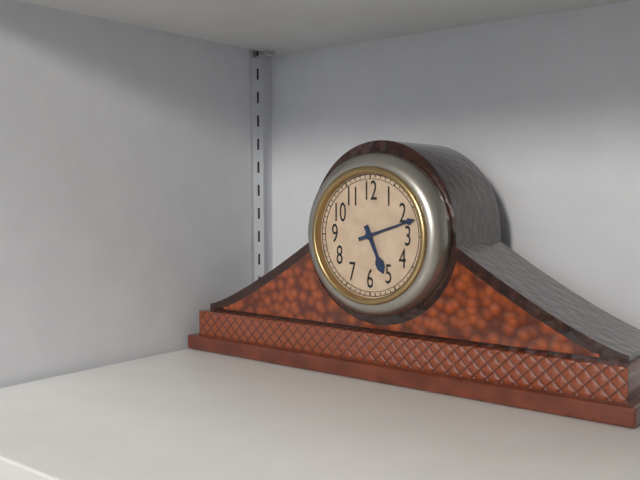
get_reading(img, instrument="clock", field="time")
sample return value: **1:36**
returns **5:12**
